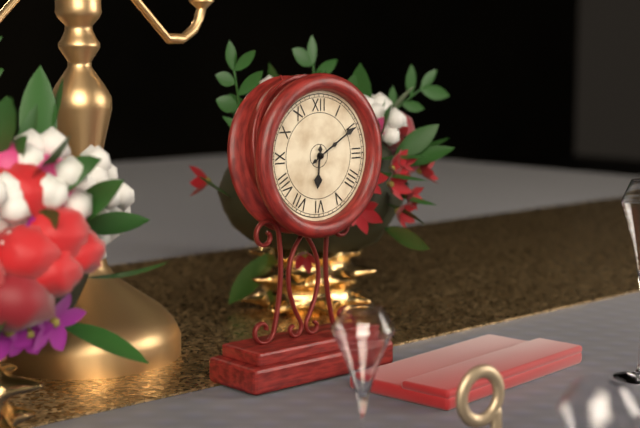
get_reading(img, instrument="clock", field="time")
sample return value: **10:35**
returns **6:10**
